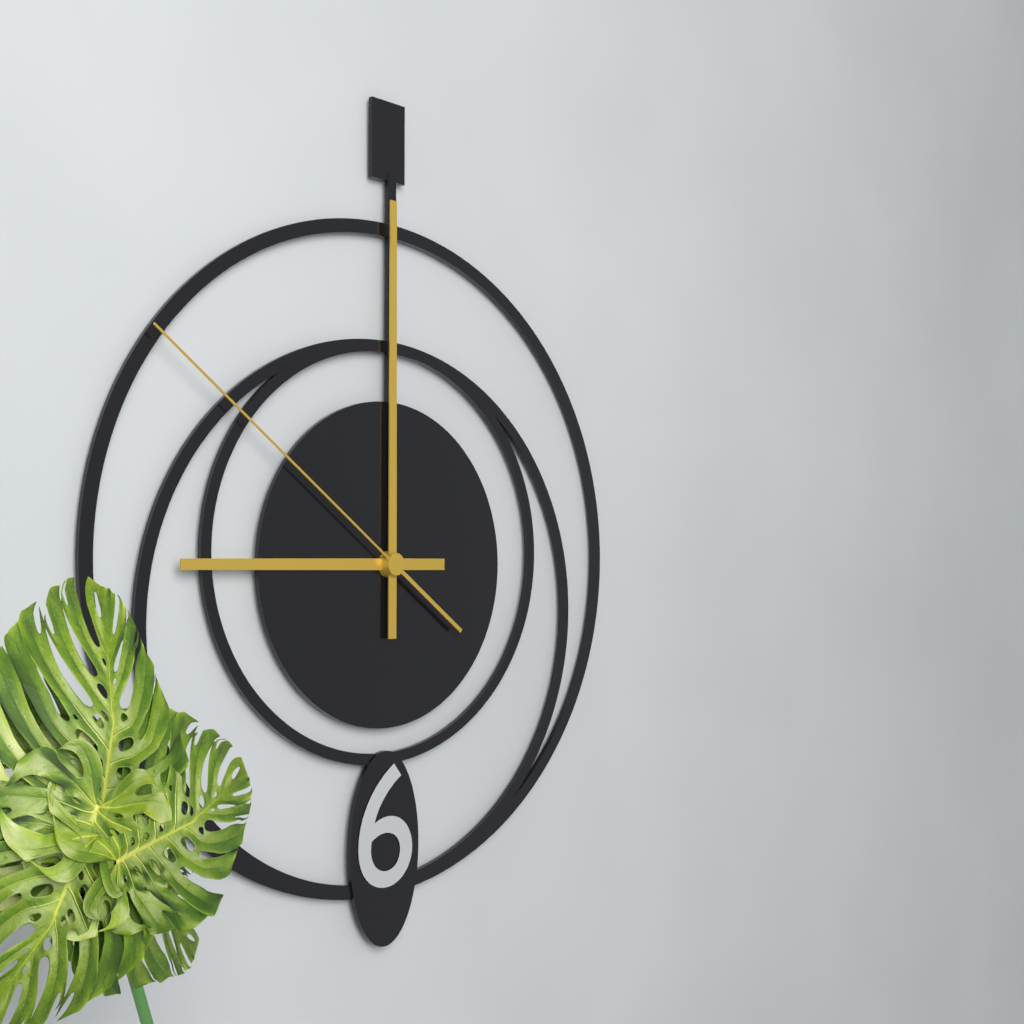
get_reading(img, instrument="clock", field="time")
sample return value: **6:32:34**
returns **9:00:51**
